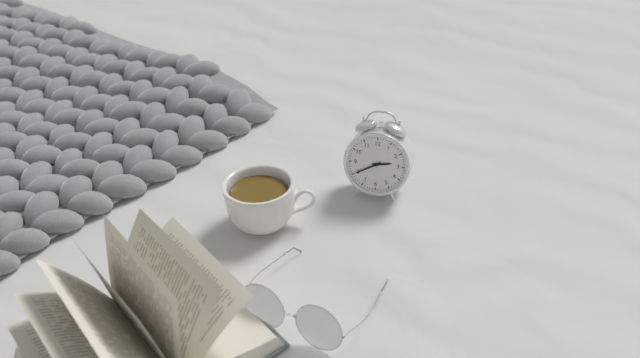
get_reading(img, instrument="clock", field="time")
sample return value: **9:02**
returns **2:40**
